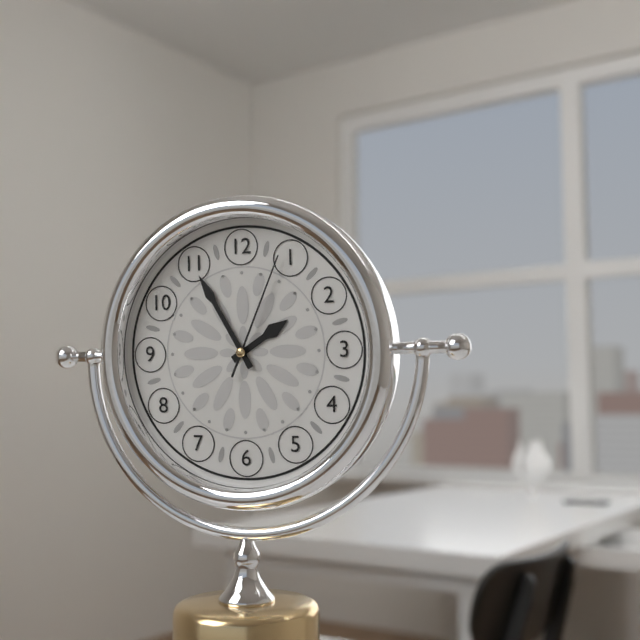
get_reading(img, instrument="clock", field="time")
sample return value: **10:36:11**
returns **1:55:04**
